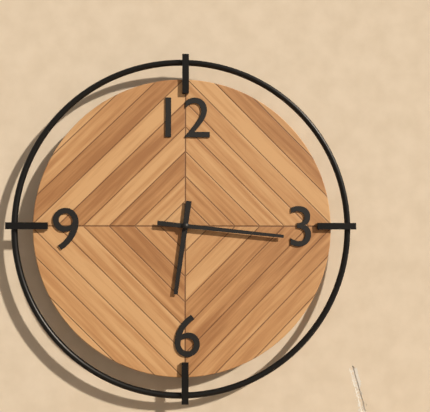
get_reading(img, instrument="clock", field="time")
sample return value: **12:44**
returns **6:16**
